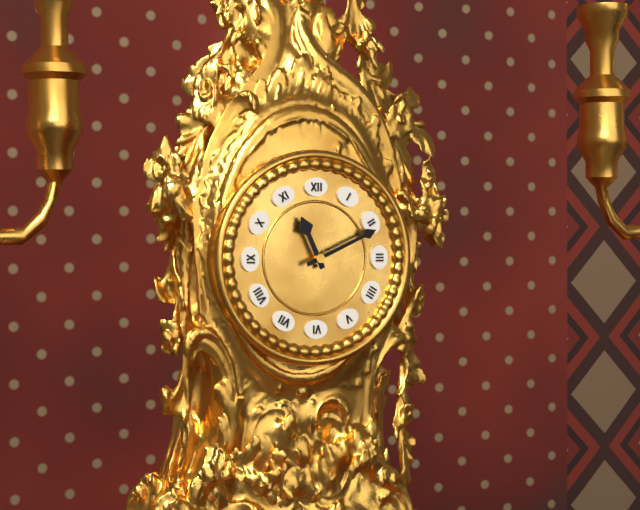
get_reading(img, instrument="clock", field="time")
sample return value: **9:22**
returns **11:11**
